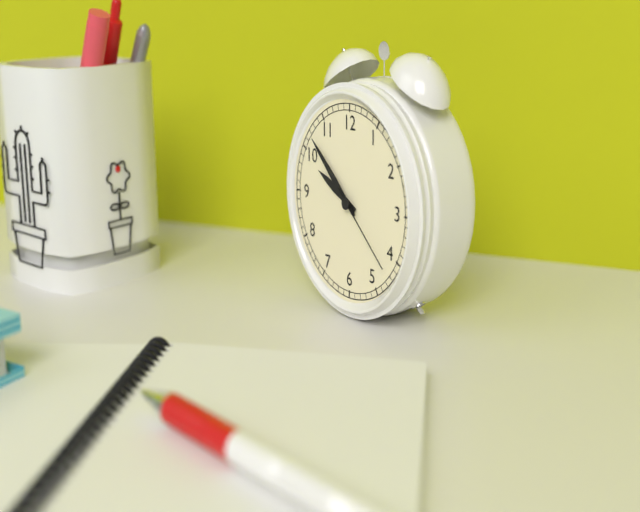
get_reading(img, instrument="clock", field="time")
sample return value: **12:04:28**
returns **9:52:22**
